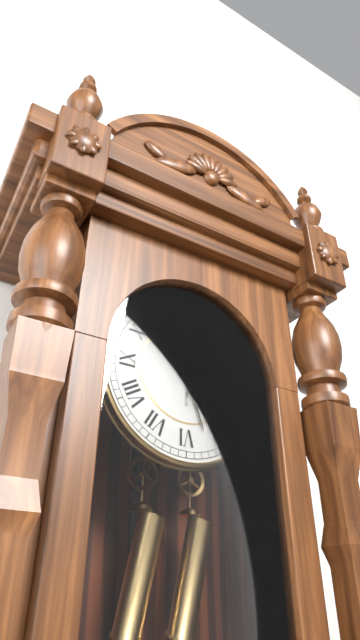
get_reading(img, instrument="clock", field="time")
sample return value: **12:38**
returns **4:27**
